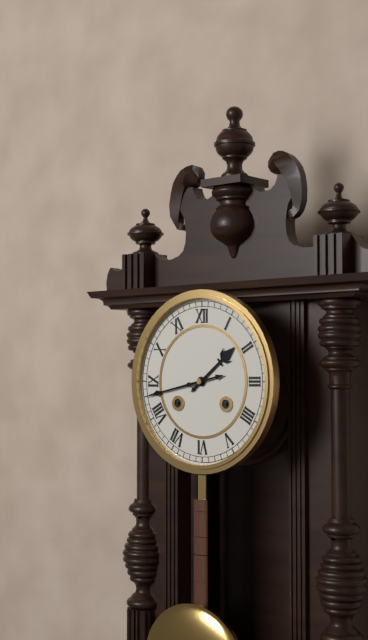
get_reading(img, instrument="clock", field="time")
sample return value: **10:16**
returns **1:43**
